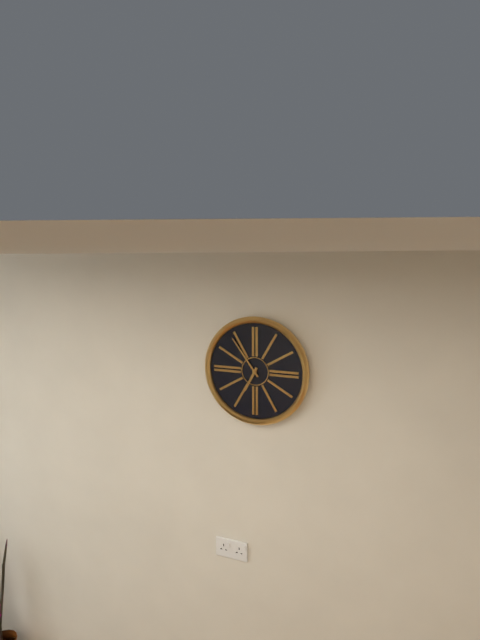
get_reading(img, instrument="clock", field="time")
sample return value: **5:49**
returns **6:54**
